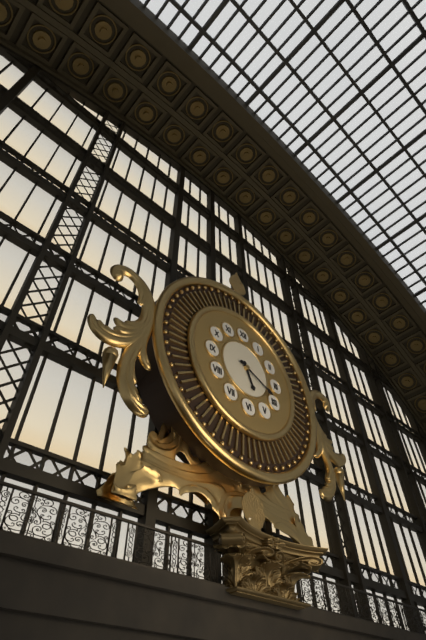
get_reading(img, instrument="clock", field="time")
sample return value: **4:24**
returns **5:19**
